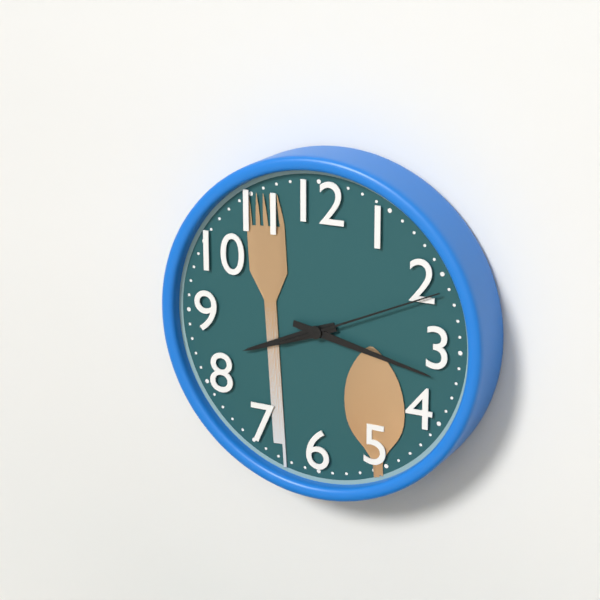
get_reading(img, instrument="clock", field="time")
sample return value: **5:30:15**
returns **8:17:11**
